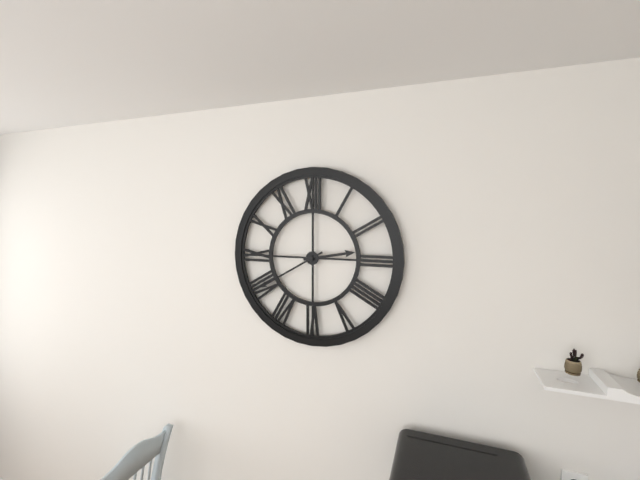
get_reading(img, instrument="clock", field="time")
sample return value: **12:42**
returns **2:40**
